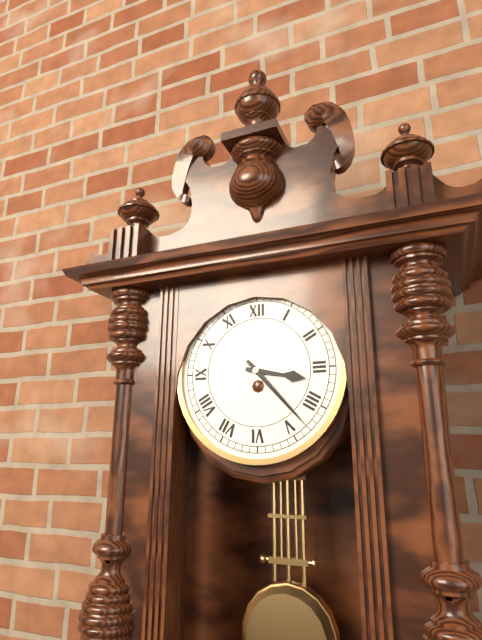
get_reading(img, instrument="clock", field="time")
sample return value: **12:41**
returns **3:23**
